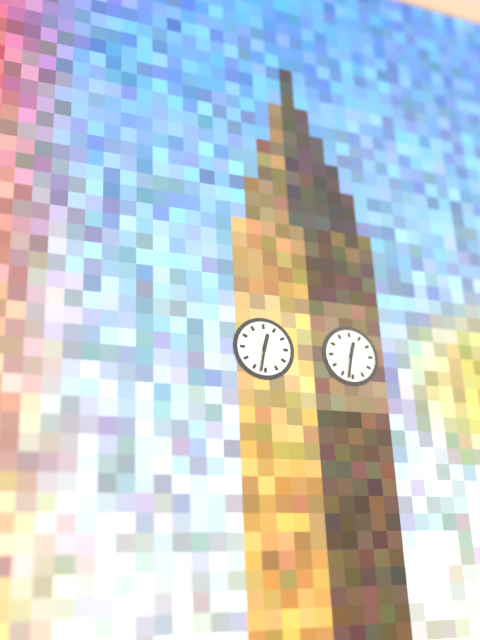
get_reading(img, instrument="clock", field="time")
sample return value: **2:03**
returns **12:32**
